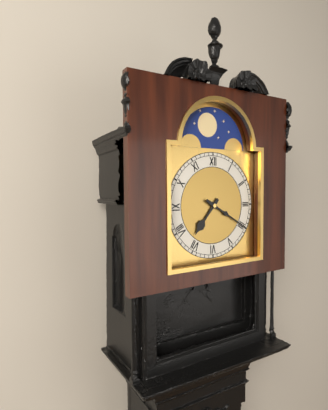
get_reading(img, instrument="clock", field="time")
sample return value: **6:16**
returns **7:20**
